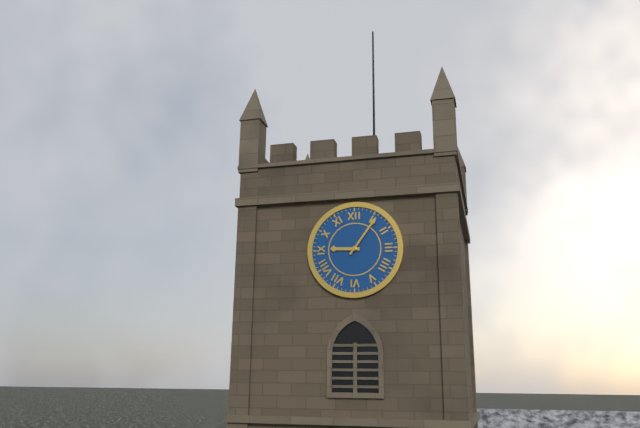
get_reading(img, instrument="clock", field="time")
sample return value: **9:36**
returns **9:06**
